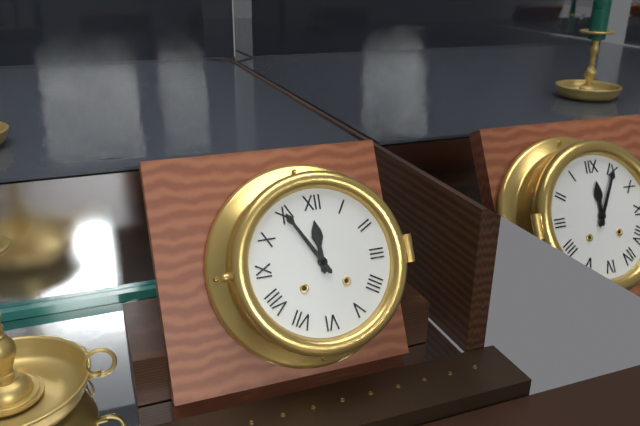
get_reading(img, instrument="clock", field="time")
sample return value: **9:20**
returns **11:55**
